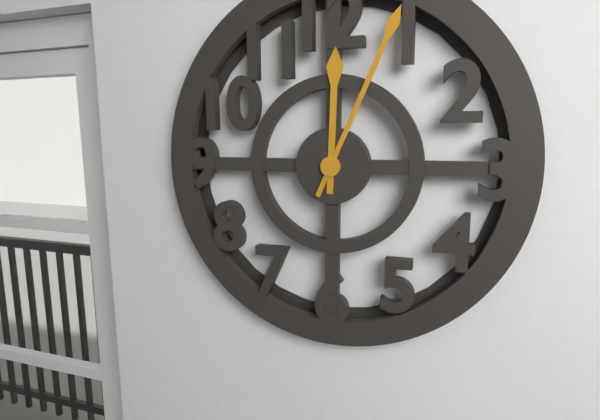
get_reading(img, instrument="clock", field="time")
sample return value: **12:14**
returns **12:04**
